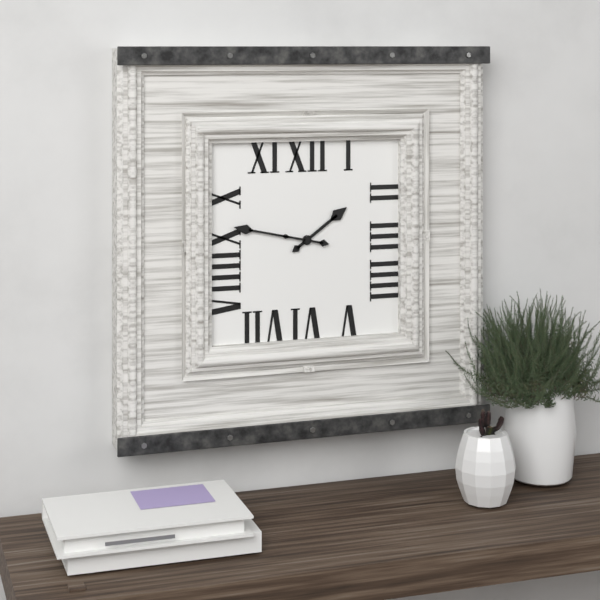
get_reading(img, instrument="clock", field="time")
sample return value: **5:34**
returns **1:47**
